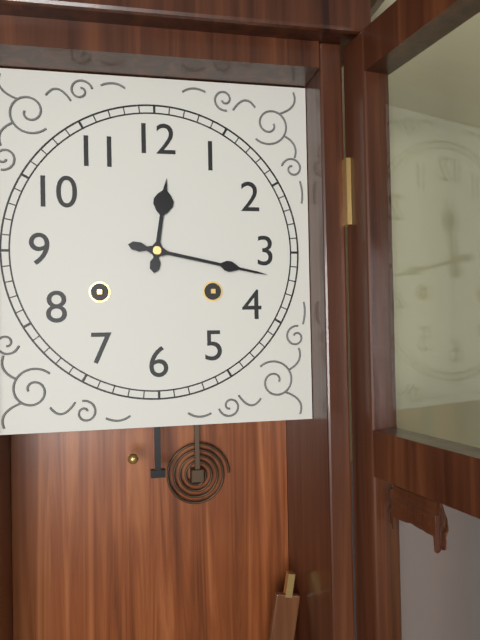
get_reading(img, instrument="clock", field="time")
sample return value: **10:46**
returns **12:17**
